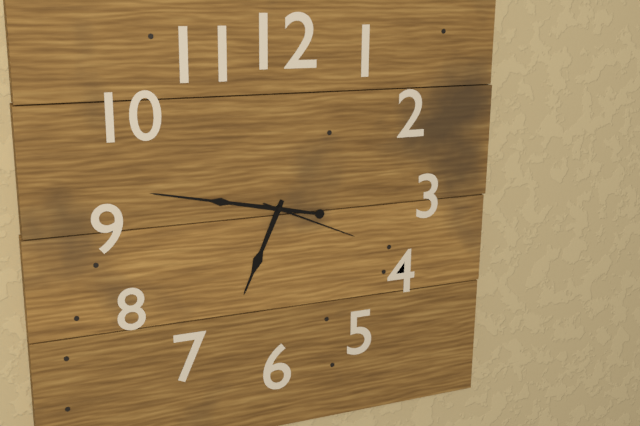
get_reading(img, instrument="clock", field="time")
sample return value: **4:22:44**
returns **6:47:19**
